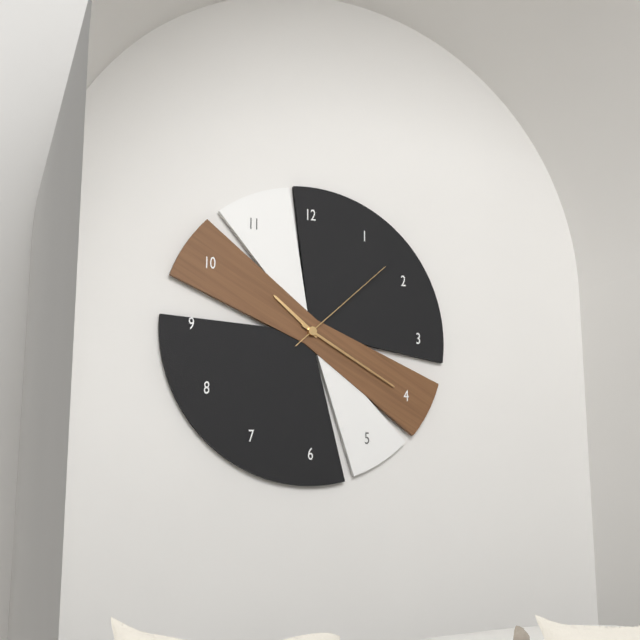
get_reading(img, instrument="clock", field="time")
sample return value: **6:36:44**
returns **10:20:08**
